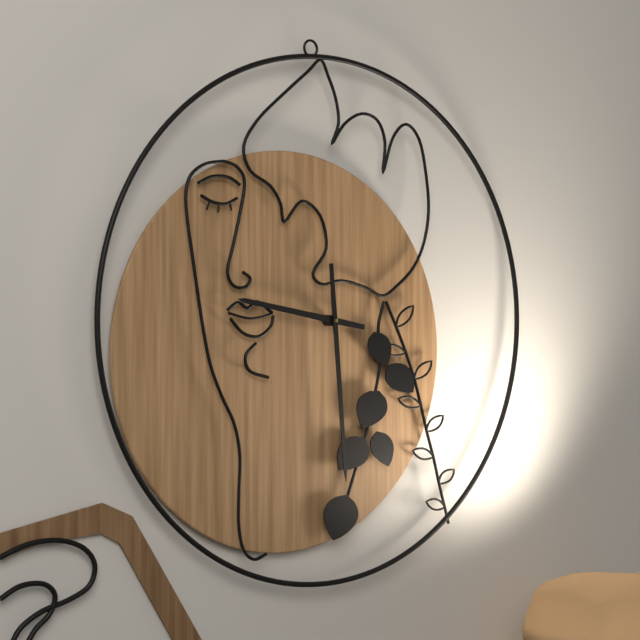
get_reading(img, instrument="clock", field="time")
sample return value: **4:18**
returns **9:30**
